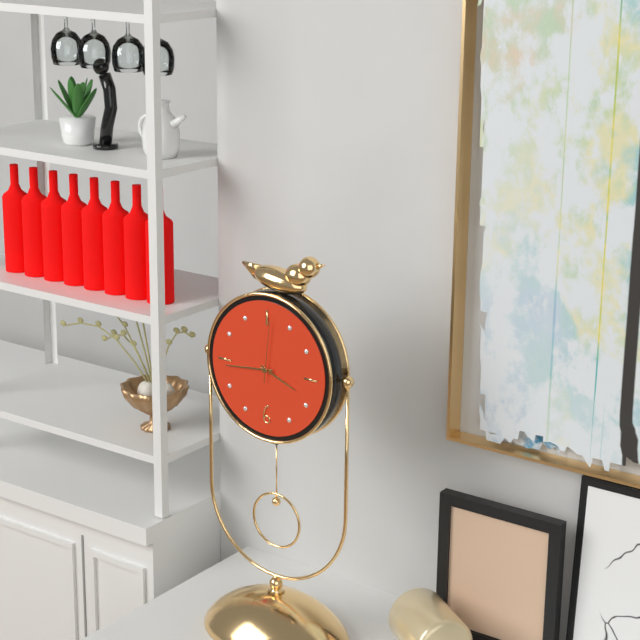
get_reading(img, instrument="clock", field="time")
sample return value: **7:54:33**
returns **3:44:01**
